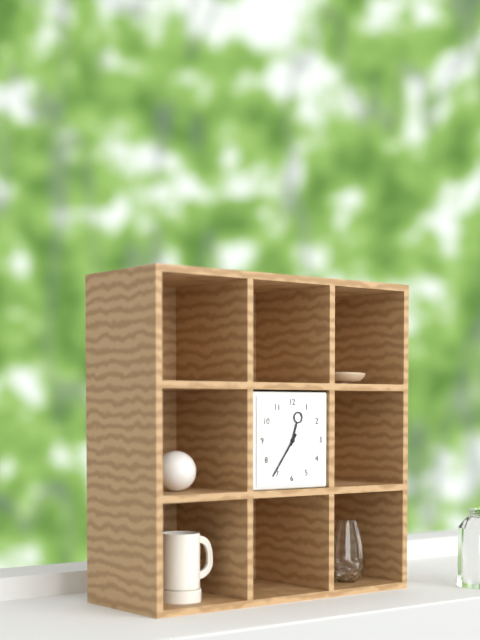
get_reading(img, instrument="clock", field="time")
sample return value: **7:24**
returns **12:36**
